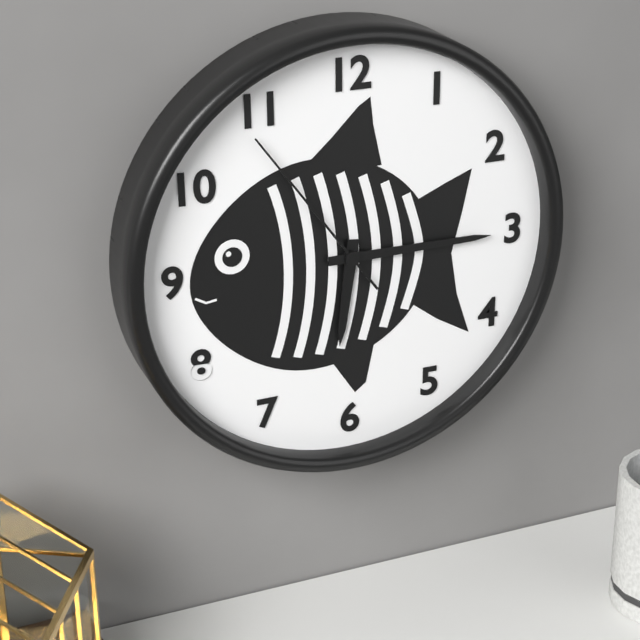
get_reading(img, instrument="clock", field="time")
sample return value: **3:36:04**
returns **6:15:54**
